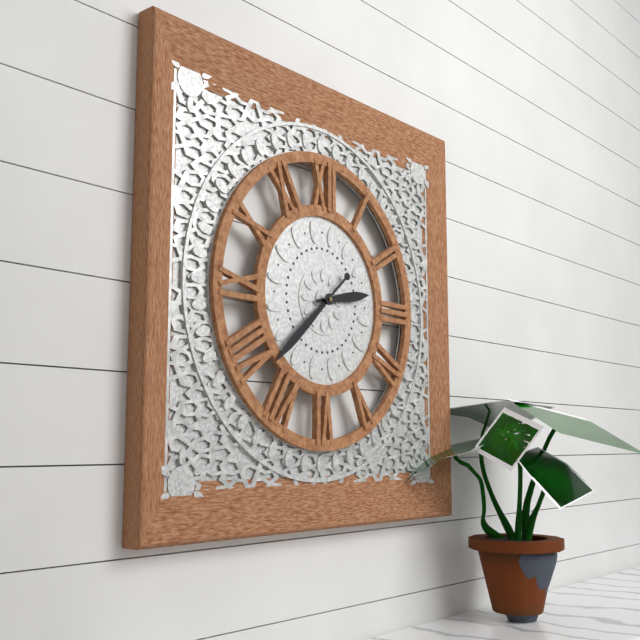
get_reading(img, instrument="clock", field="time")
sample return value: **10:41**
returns **2:38**
